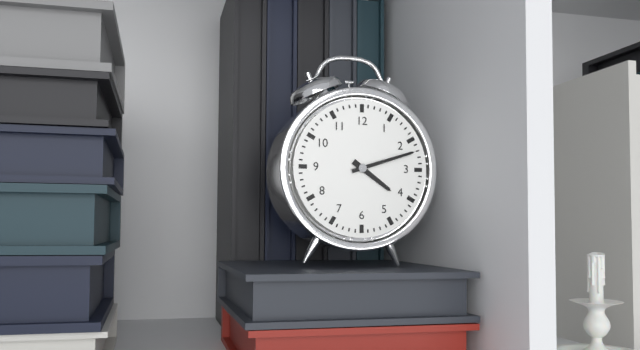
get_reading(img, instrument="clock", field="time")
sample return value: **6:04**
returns **4:12**
